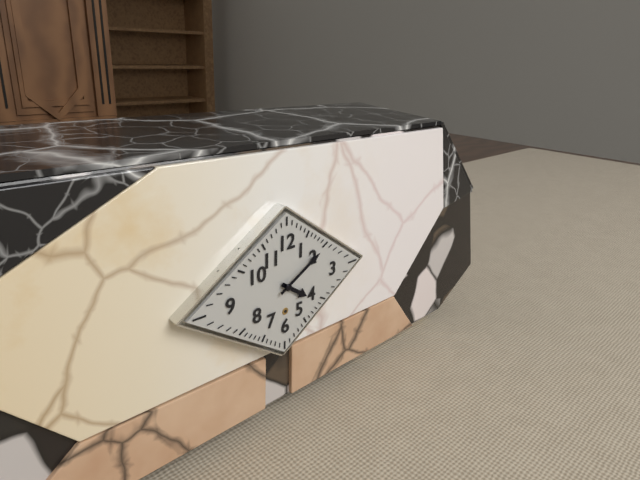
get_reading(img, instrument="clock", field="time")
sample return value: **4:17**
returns **4:10**
